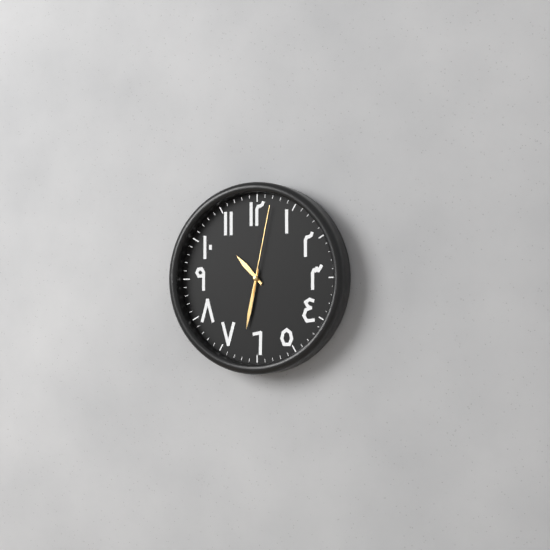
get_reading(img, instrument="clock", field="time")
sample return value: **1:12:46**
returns **10:32:02**
